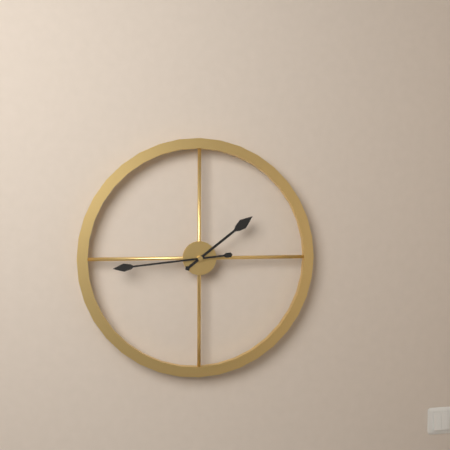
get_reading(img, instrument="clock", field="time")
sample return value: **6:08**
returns **1:44**
